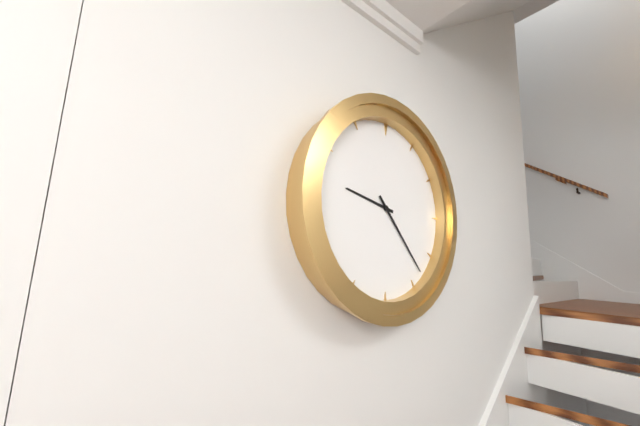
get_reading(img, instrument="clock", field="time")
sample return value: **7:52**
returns **9:23**
